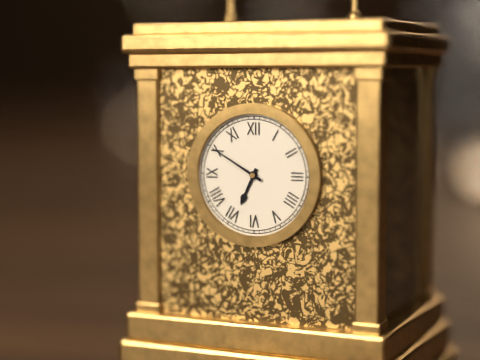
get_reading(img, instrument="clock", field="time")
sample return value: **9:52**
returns **6:50**
